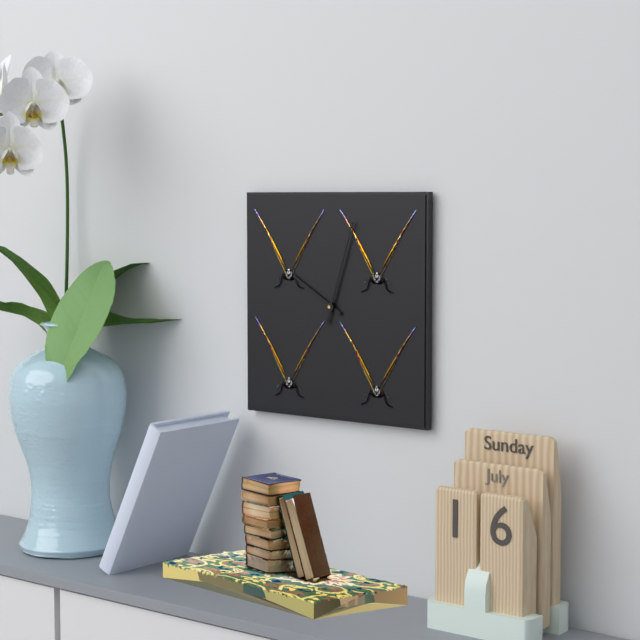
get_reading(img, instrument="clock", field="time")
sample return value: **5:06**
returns **10:03**
